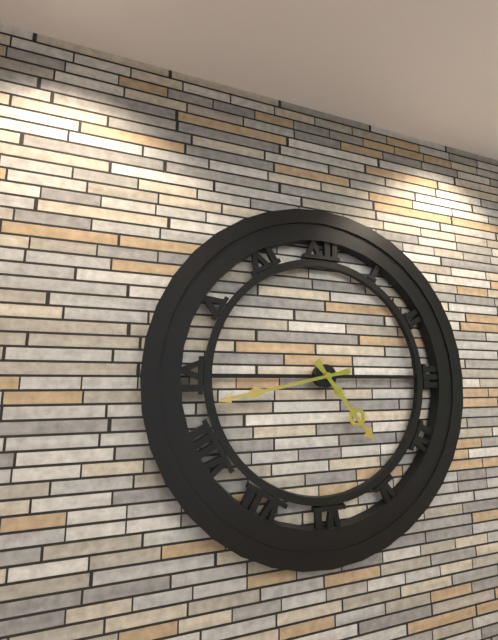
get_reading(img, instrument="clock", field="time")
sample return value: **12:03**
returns **4:43**
